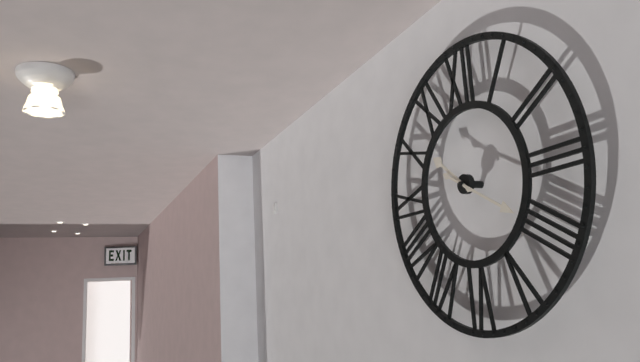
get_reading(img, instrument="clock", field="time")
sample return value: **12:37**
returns **10:20**
